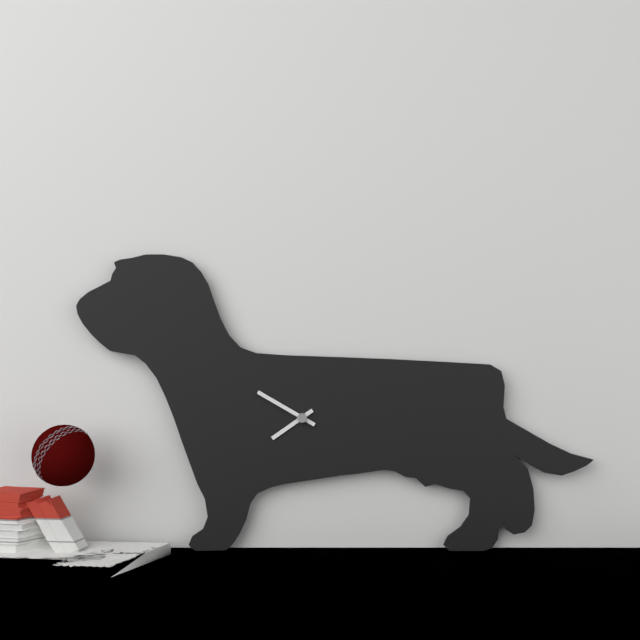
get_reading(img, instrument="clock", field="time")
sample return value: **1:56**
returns **7:50**
